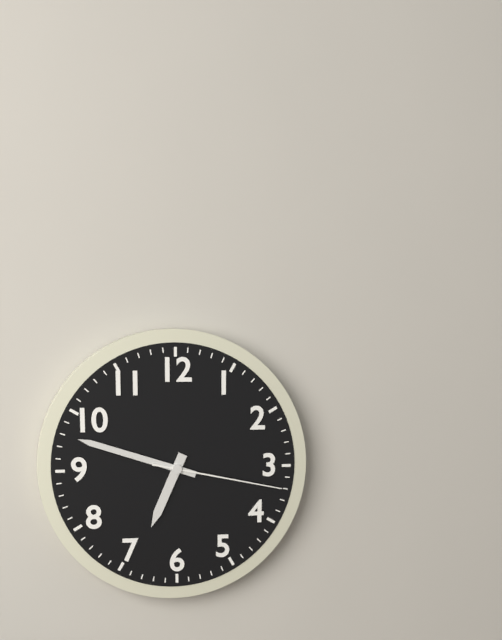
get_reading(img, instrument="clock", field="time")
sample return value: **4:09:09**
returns **6:48:17**
